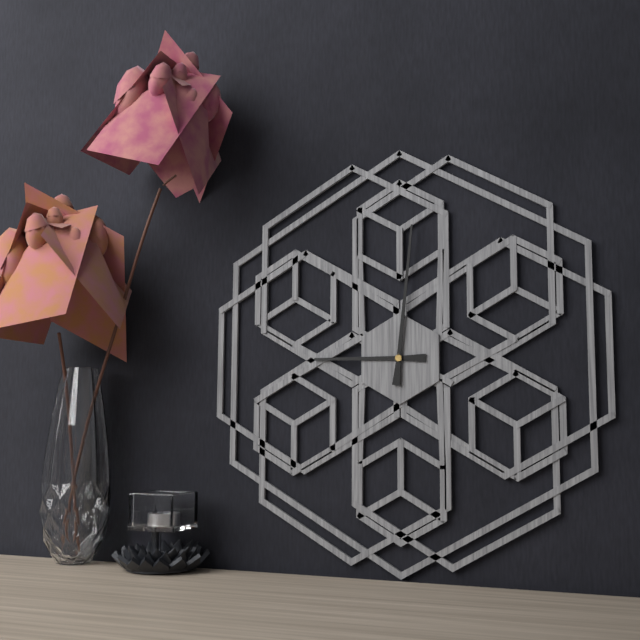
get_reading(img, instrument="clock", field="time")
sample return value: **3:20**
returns **9:01**
